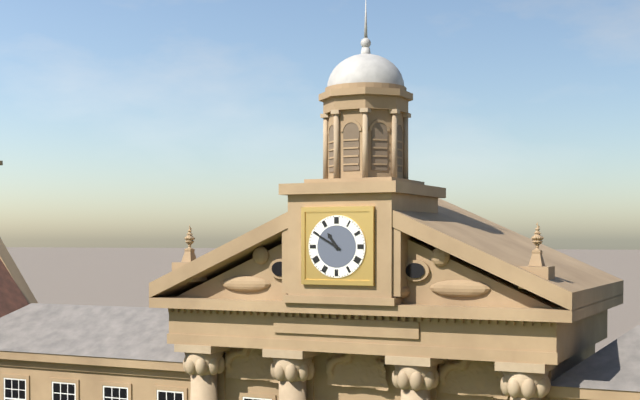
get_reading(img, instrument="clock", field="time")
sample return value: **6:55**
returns **10:50**
